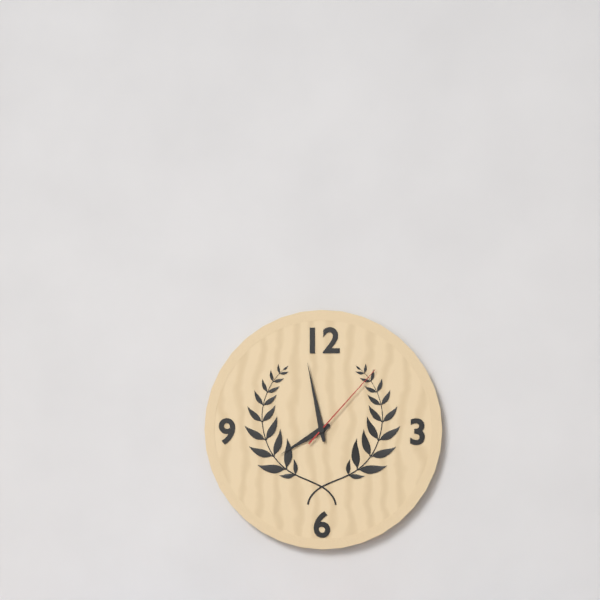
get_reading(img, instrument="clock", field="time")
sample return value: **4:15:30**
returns **7:58:07**
